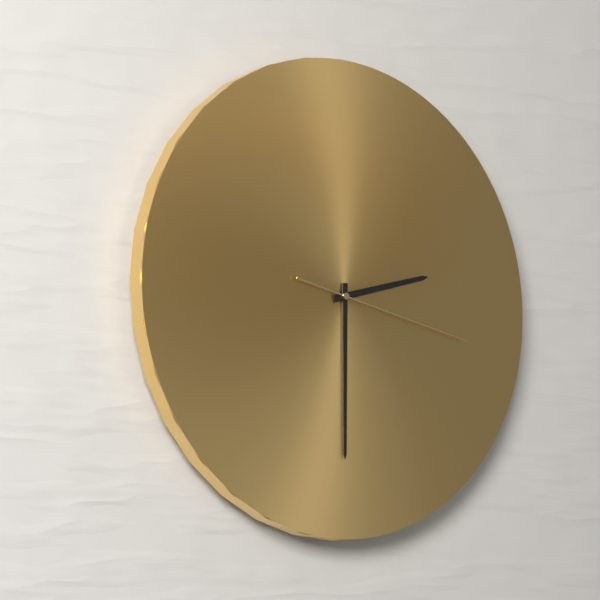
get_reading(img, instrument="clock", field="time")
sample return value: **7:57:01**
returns **2:30:17**
